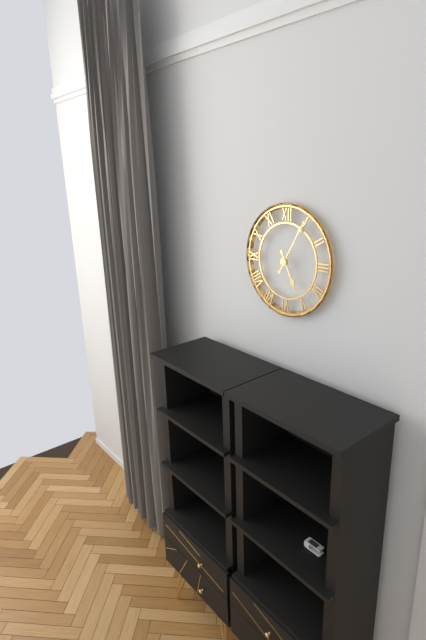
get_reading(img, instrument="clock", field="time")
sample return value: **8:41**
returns **5:05**
